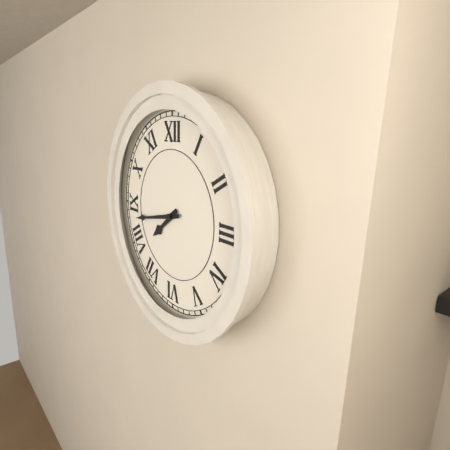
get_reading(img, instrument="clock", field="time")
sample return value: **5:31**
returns **7:43**
